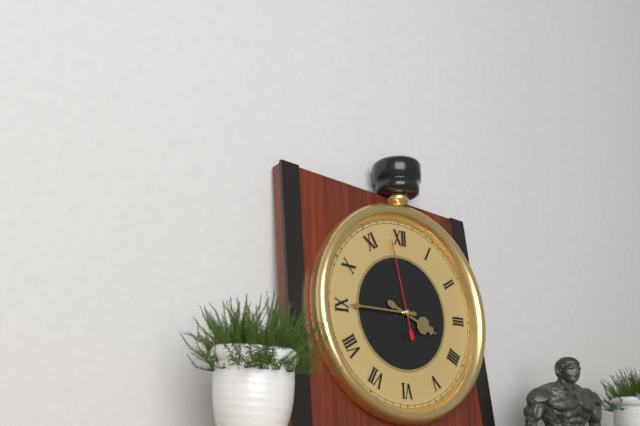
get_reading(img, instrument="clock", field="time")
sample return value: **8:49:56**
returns **3:45:58**
